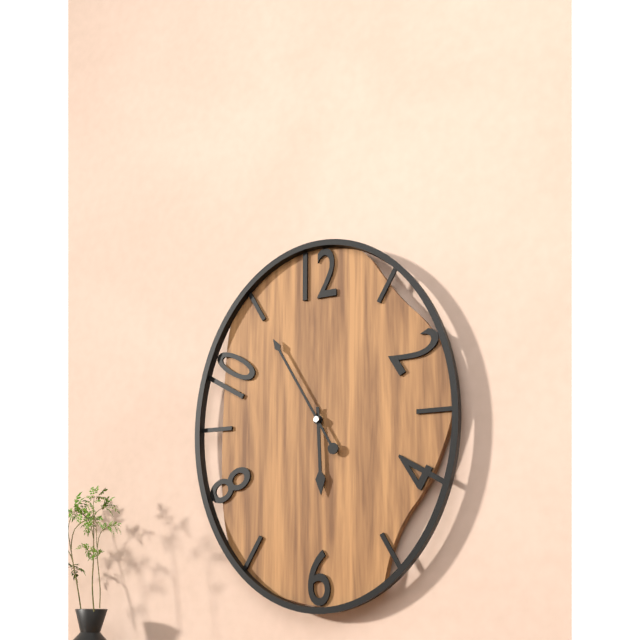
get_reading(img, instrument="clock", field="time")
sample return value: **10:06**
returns **5:55**
